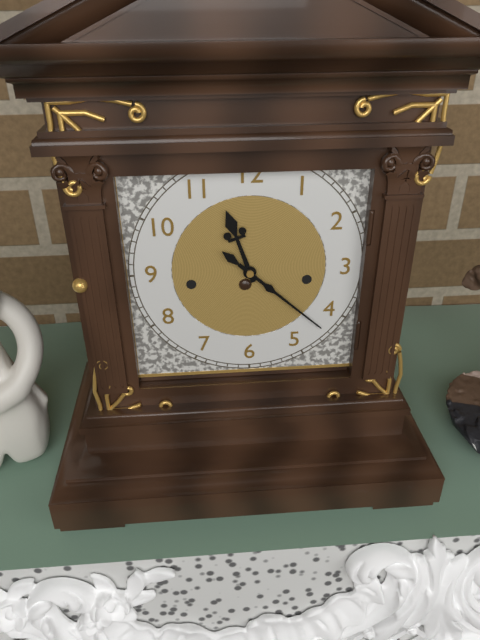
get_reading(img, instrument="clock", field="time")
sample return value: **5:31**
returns **11:22**
